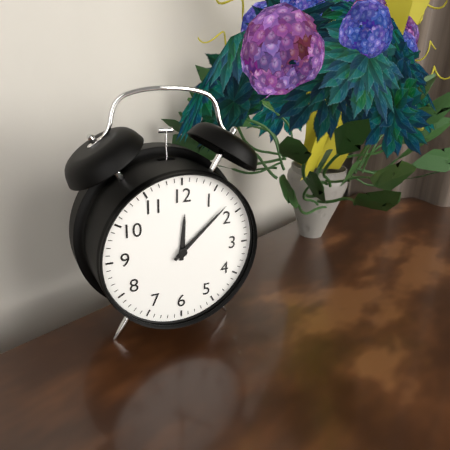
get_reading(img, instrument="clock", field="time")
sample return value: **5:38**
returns **12:08**
